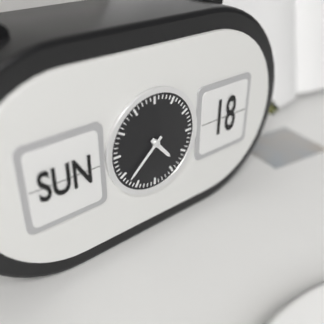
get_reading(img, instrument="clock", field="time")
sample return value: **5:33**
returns **4:38**
